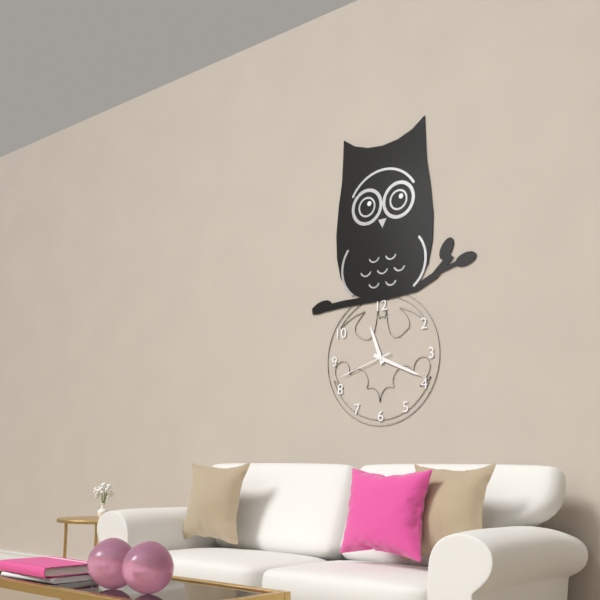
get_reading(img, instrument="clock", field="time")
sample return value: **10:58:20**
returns **11:19:42**
